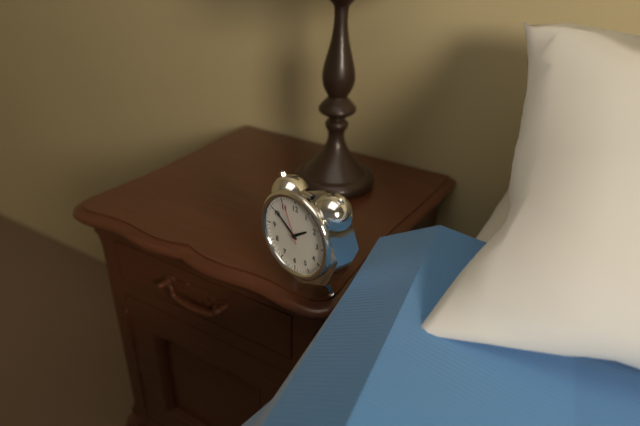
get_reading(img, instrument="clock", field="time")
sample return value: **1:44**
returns **1:51**
